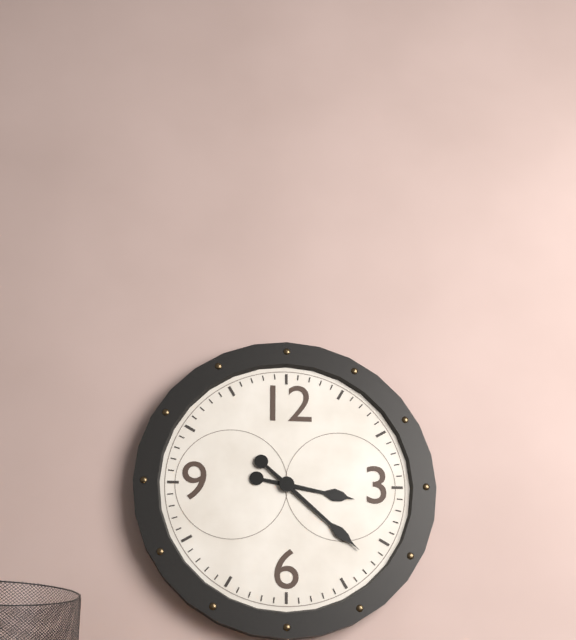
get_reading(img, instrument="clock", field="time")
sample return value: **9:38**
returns **3:22**
